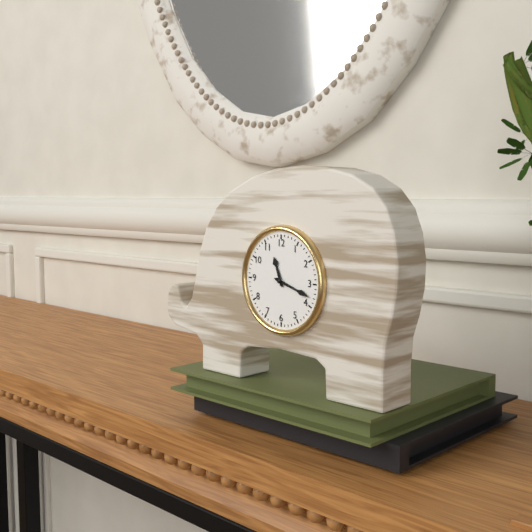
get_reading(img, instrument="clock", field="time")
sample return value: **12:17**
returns **11:18**
